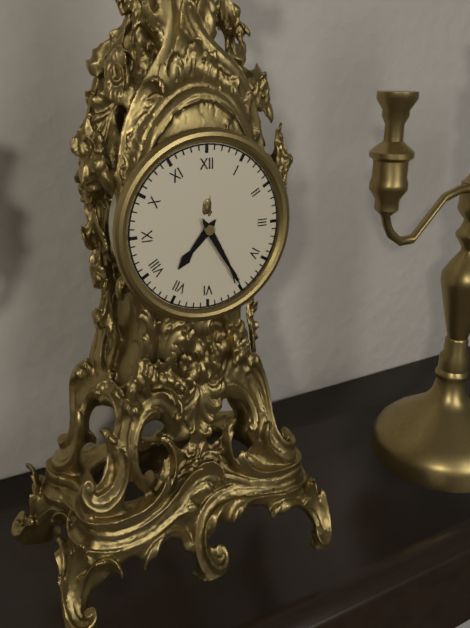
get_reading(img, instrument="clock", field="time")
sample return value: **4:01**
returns **7:25**
